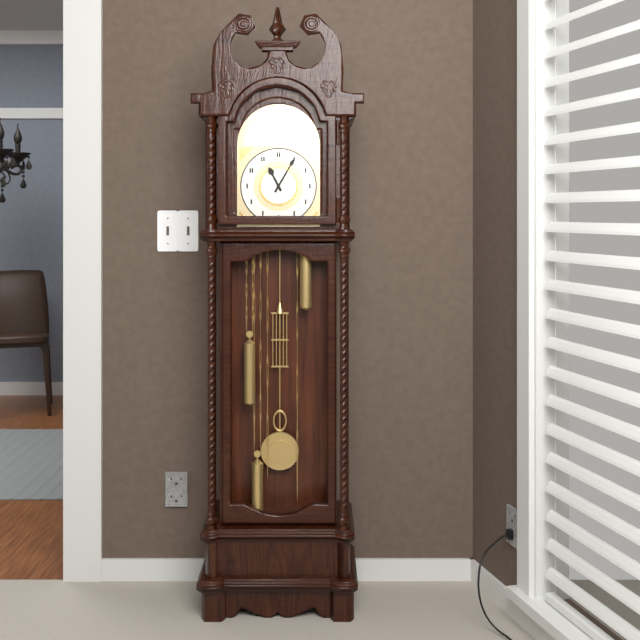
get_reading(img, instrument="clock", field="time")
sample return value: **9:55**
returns **11:05**
